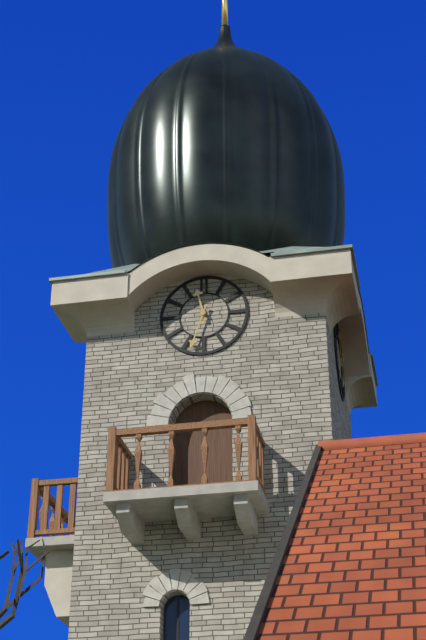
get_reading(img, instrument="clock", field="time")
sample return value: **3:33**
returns **11:33**
